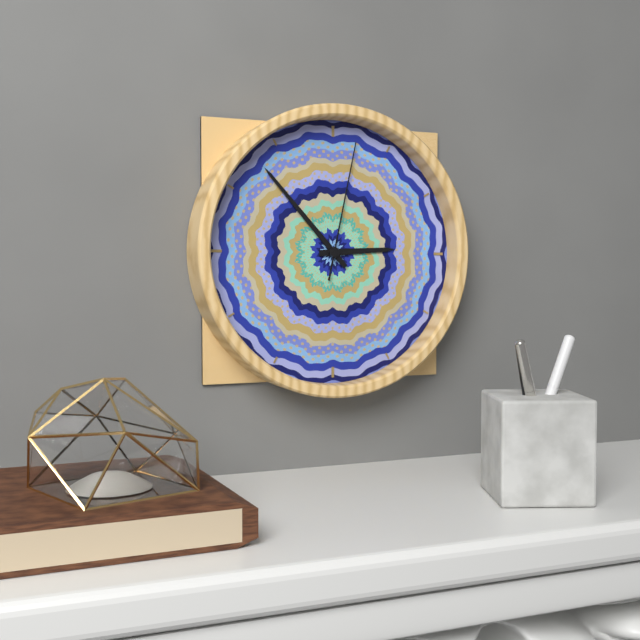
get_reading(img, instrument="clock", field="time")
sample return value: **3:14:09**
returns **2:53:02**
